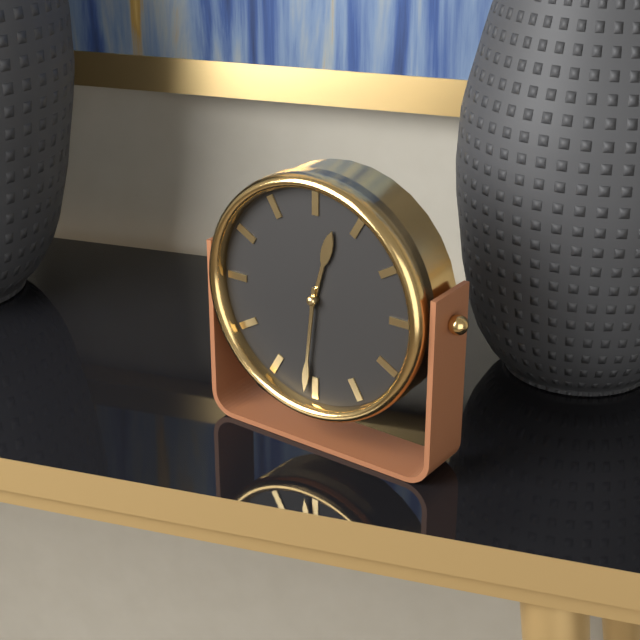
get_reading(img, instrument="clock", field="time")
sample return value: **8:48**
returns **12:31**
